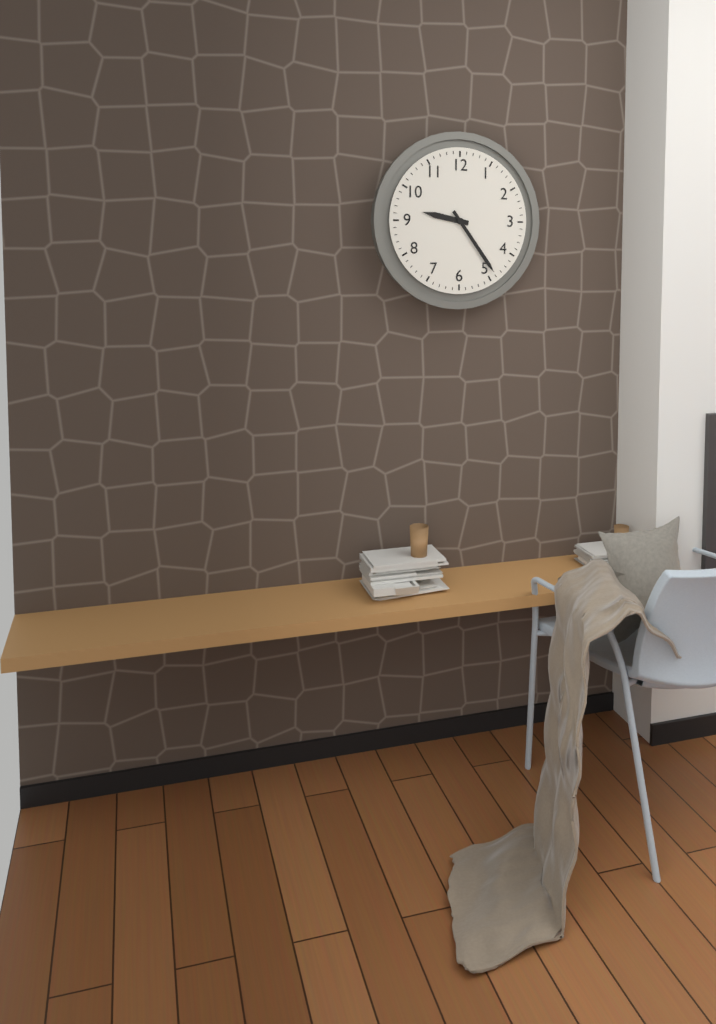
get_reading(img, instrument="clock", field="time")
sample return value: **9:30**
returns **9:24**
